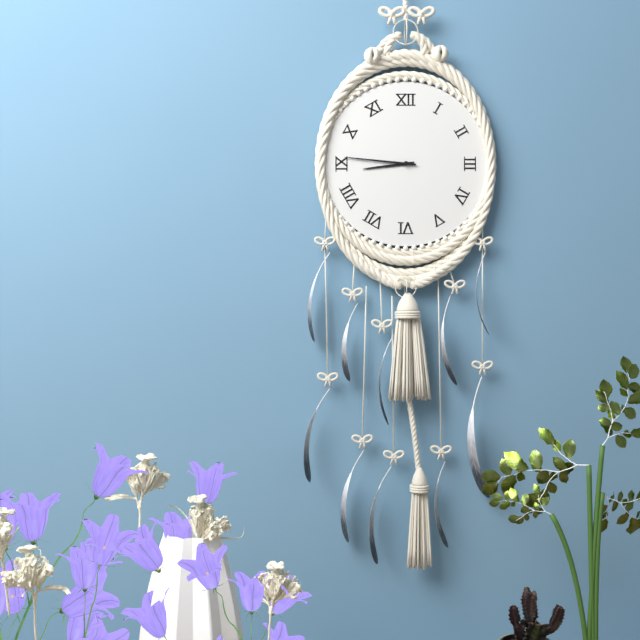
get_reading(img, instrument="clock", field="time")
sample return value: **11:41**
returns **8:46**
